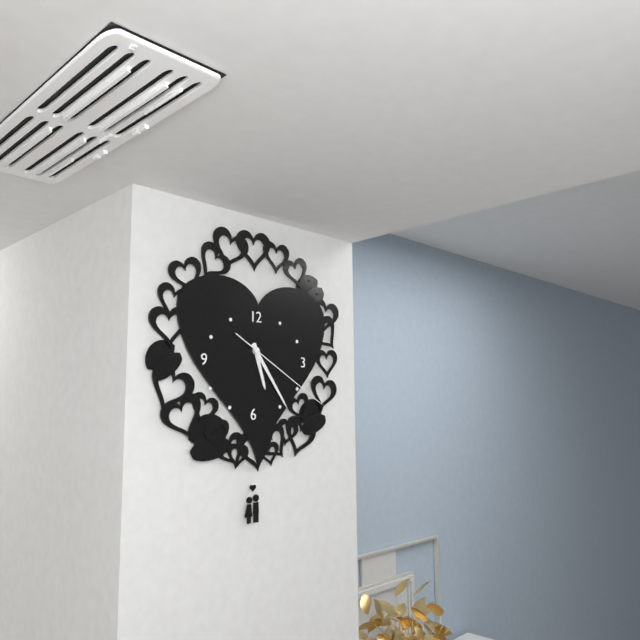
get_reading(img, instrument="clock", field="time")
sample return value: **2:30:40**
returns **5:24:20**
